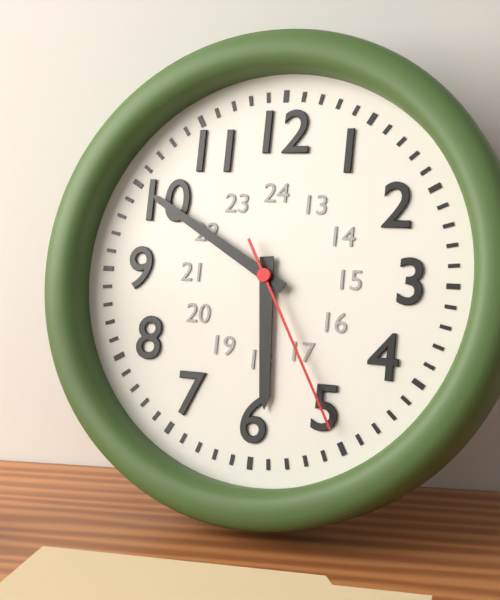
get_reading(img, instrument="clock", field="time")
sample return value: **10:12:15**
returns **5:50:25**
